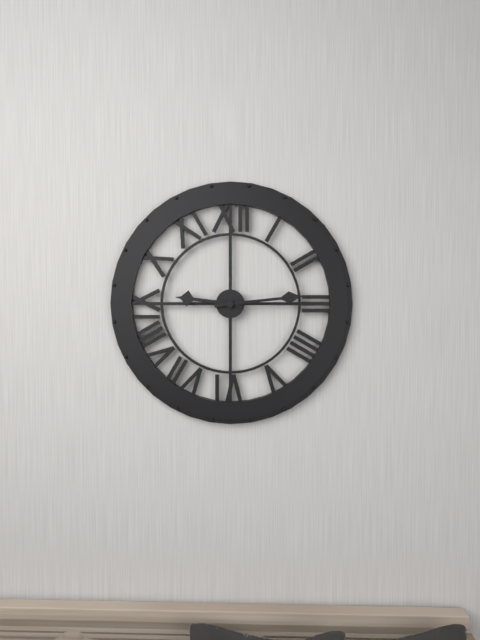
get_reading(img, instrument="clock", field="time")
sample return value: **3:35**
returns **9:14**
